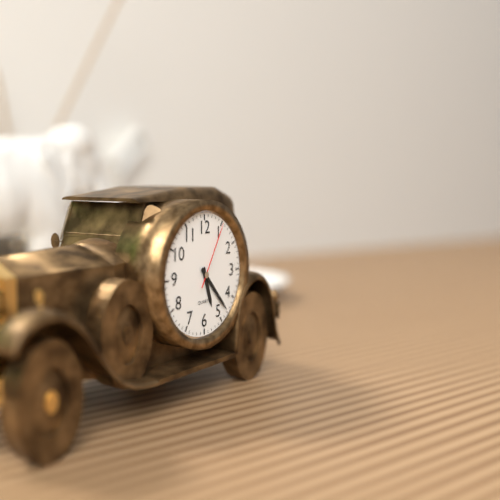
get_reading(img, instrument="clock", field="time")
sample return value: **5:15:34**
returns **5:23:05**
